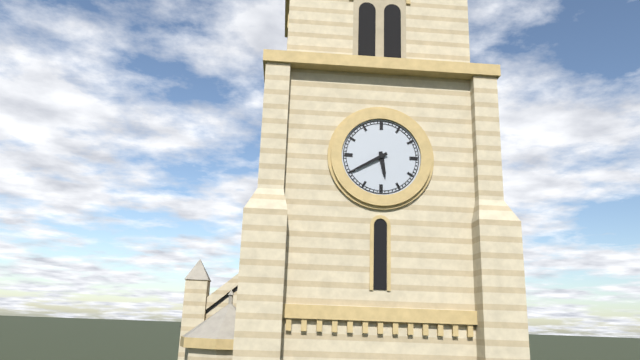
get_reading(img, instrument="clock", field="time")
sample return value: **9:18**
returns **5:40**
